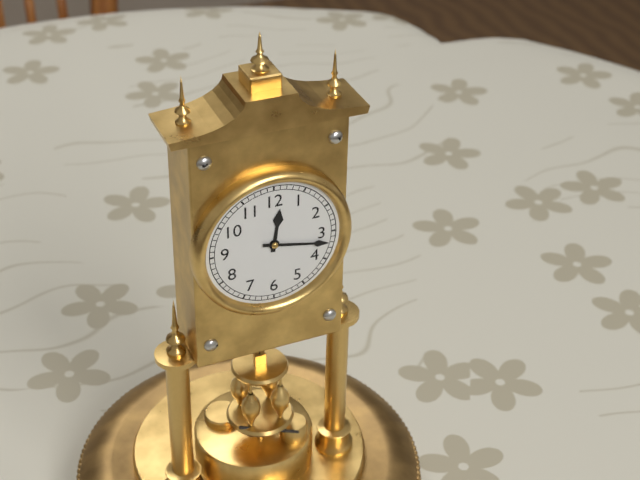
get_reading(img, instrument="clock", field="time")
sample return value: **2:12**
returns **12:17**
